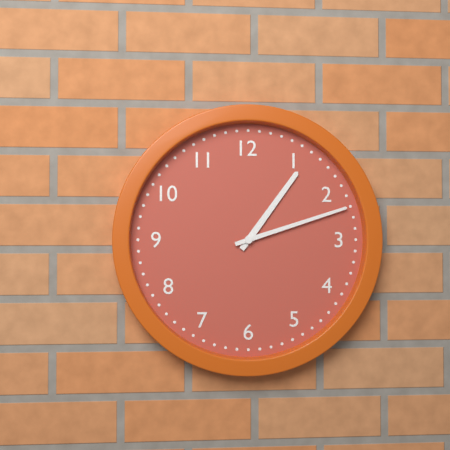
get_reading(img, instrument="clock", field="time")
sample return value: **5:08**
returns **1:12**
